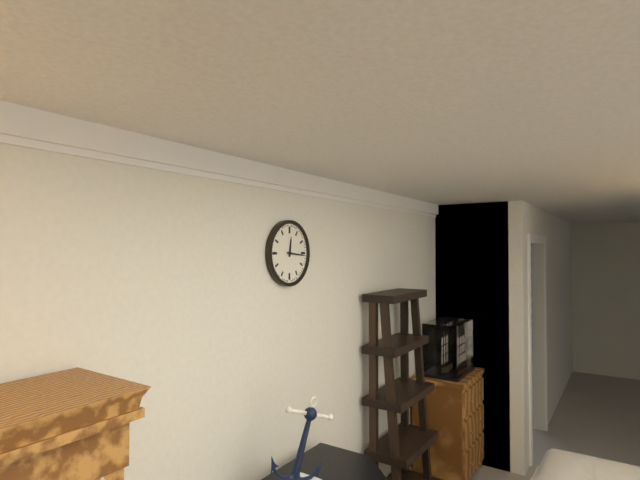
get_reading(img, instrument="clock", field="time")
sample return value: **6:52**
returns **12:16**
